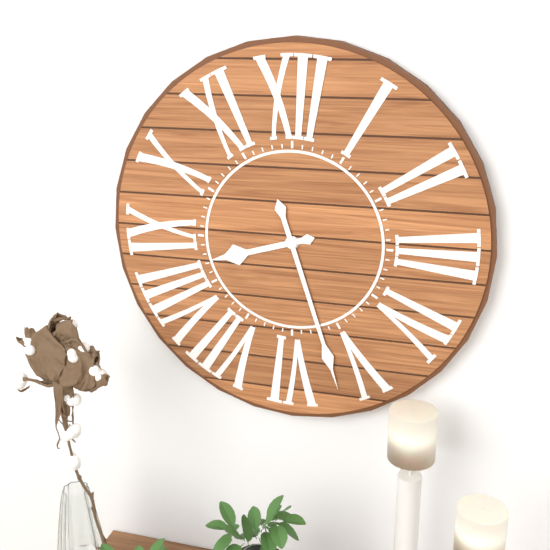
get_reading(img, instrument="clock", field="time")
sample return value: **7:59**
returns **8:27**
